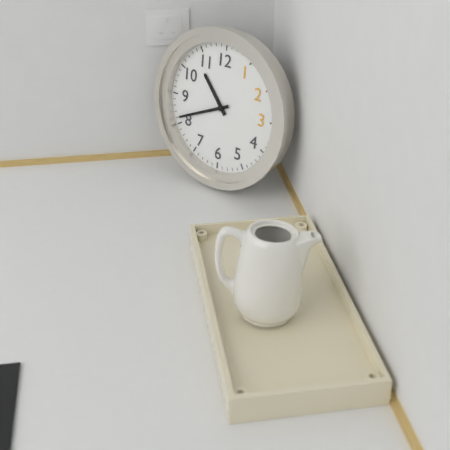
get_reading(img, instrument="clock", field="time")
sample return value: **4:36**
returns **10:41**
